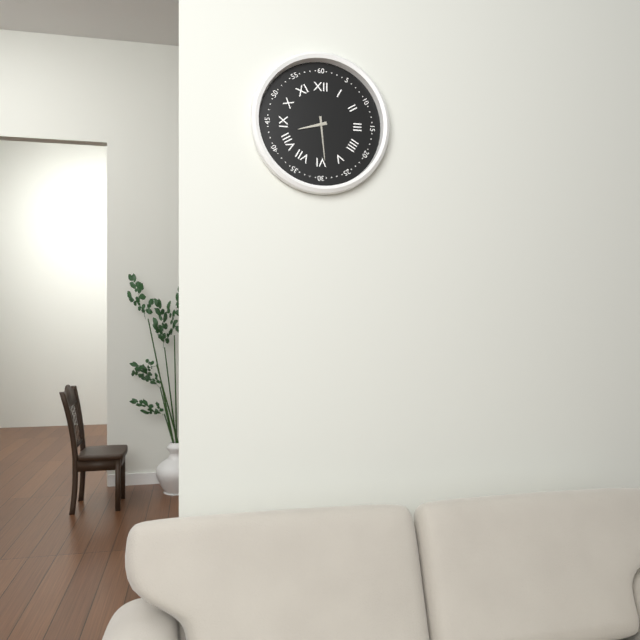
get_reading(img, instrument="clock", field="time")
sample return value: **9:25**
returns **8:29**
